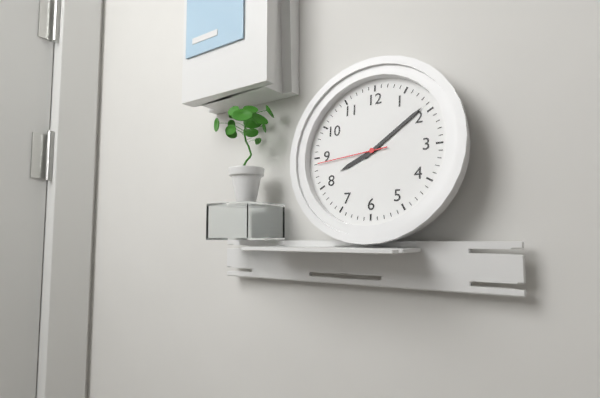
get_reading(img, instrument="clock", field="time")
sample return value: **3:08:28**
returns **8:09:44**
